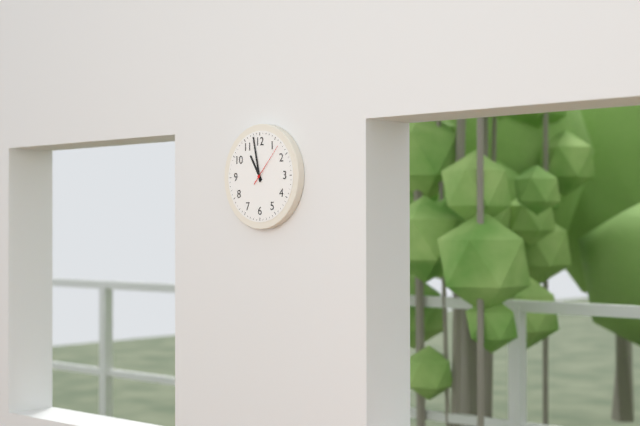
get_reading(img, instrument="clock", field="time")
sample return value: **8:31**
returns **10:58**
